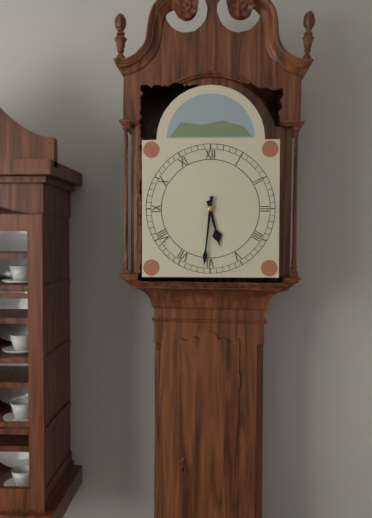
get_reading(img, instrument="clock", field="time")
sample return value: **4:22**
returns **5:31**
